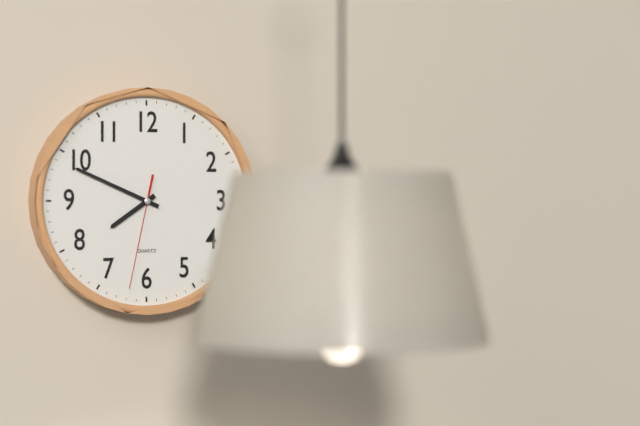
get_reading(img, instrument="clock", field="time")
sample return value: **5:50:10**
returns **7:49:32**
